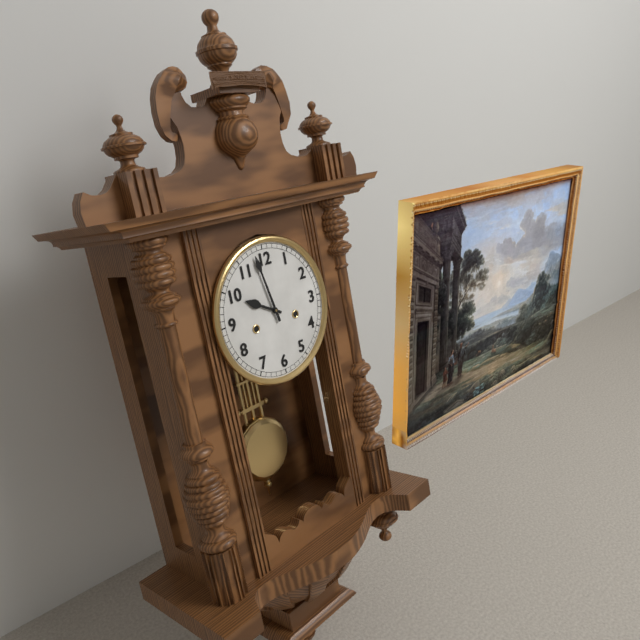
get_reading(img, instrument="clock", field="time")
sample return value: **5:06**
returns **9:58**
